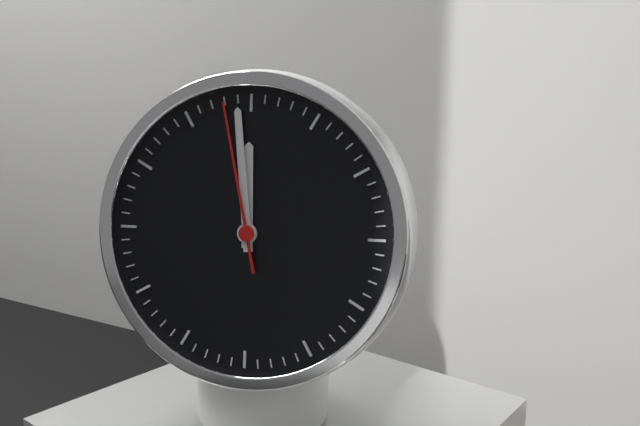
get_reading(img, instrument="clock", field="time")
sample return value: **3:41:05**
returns **11:59:58**
